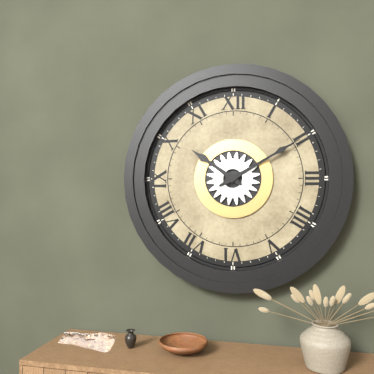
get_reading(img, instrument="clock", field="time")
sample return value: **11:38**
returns **10:10**
